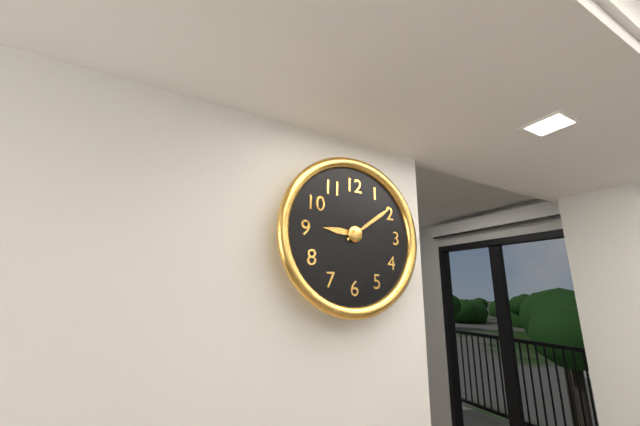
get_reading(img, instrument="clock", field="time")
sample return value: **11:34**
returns **9:09**
